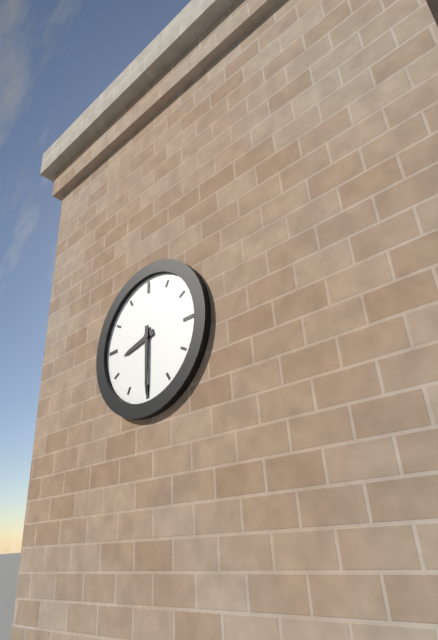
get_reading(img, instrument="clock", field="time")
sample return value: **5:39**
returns **8:30**
